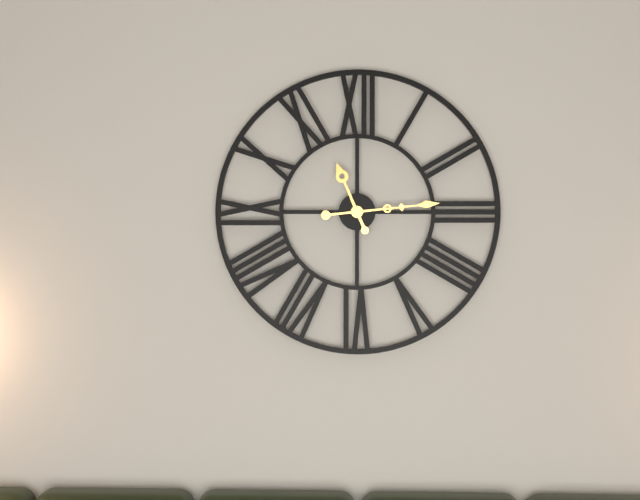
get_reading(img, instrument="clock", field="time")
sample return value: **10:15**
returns **11:14**
